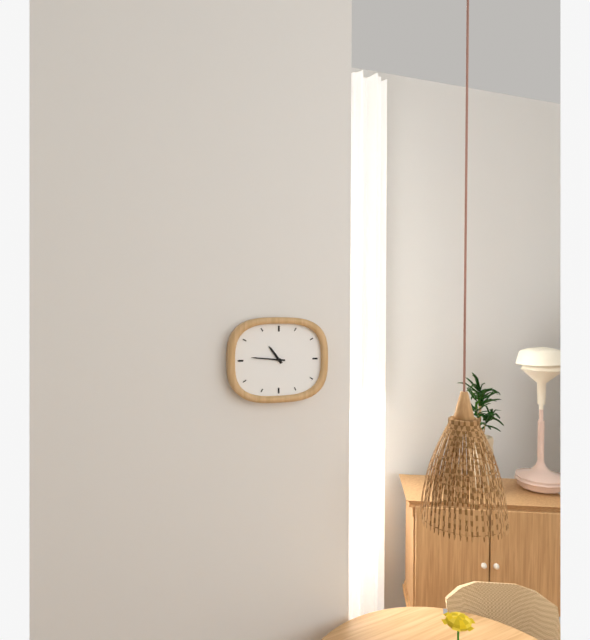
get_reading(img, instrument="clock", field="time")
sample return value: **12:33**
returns **10:46**
